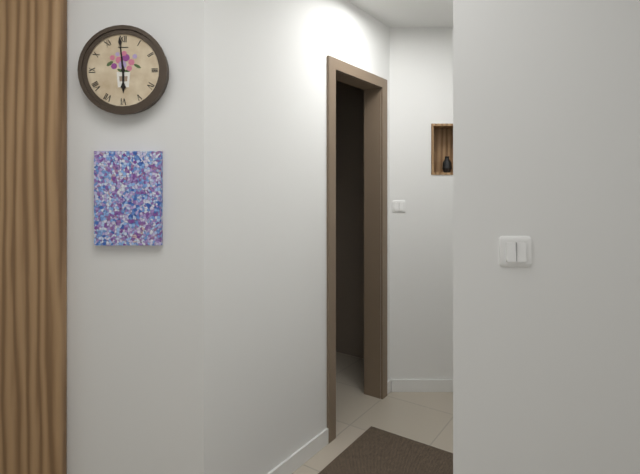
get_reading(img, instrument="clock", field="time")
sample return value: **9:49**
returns **5:59**
